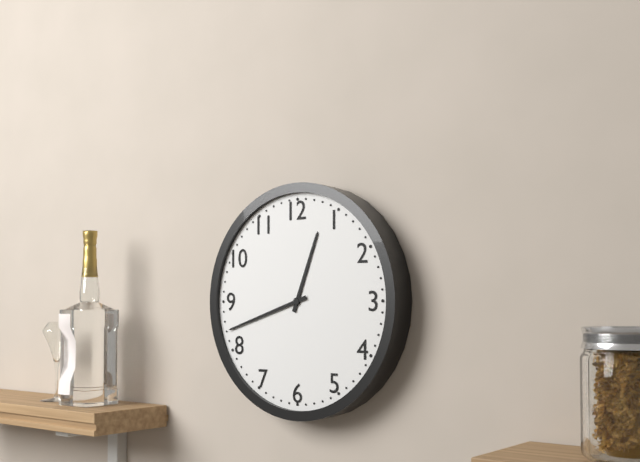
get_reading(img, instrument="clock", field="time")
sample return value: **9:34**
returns **12:42**
